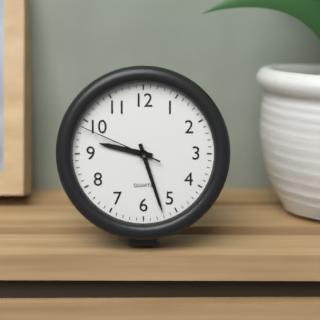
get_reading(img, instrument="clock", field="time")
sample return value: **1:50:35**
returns **9:27:49**
